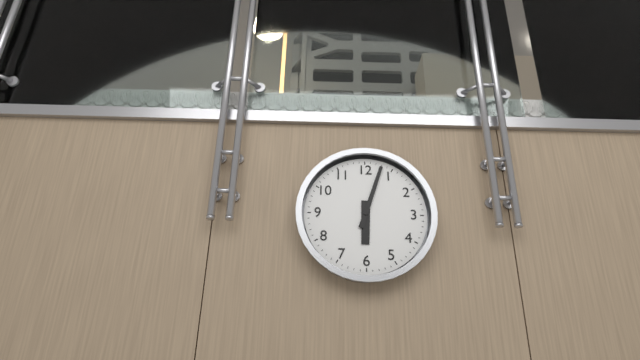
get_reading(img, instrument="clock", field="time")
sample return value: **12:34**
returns **6:03**
